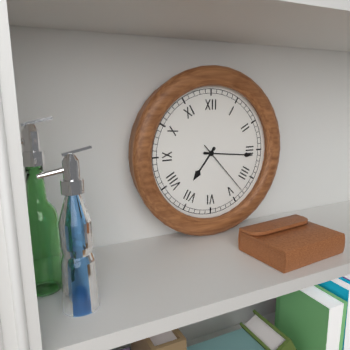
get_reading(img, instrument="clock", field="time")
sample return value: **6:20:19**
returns **7:16:23**
